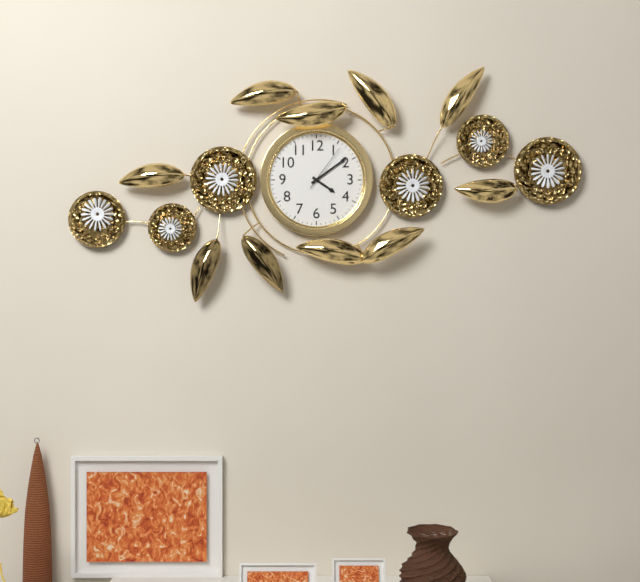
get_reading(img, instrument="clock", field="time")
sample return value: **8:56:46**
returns **4:09:06**
